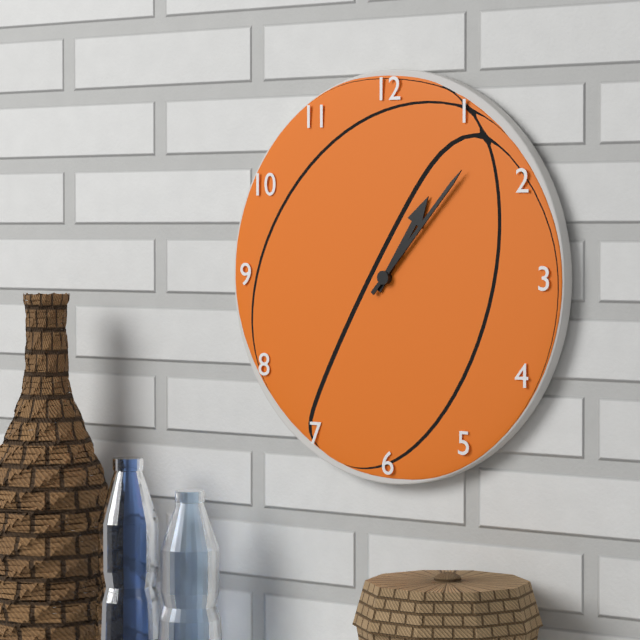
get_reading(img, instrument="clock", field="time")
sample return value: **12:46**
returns **1:07**
